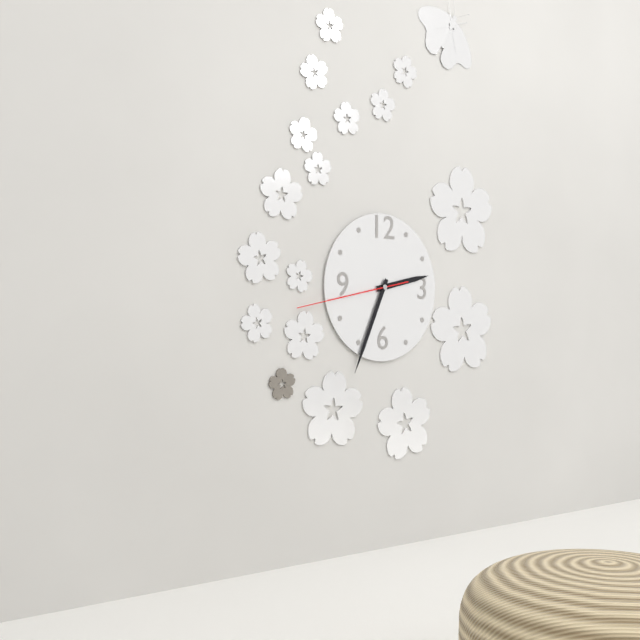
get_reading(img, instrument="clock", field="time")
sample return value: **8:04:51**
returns **2:34:43**
